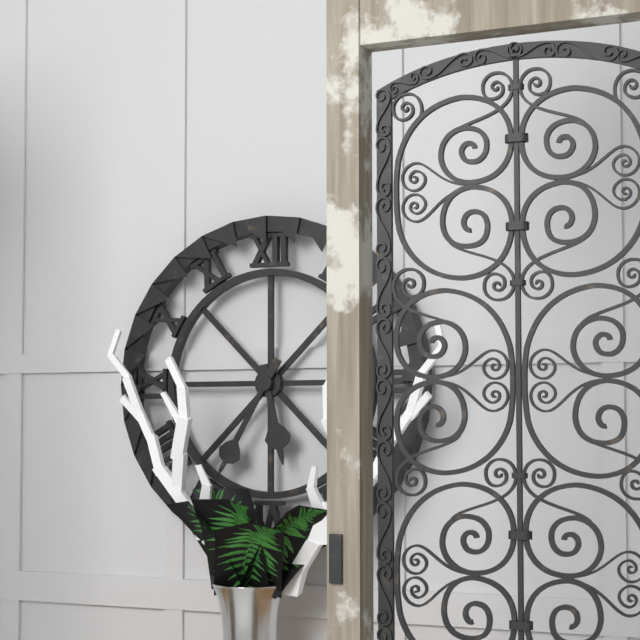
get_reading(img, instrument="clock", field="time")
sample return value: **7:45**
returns **5:35**
